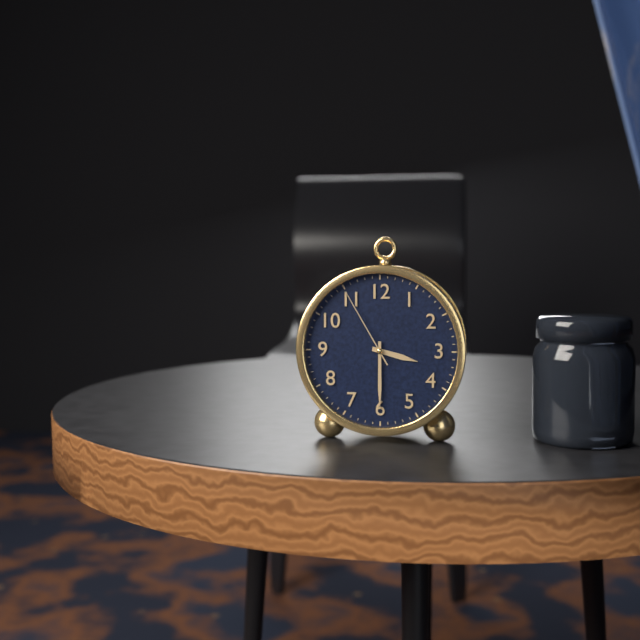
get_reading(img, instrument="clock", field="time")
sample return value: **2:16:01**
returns **3:30:55**
